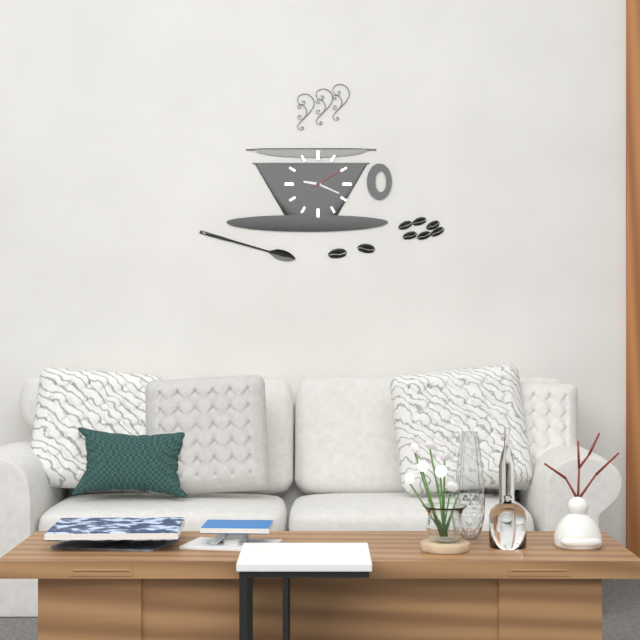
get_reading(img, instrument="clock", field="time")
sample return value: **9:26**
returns **9:19**
